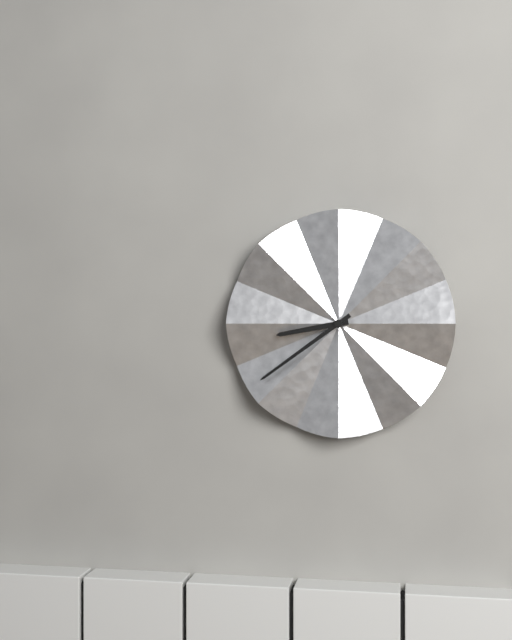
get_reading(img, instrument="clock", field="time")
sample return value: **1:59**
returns **8:39**
